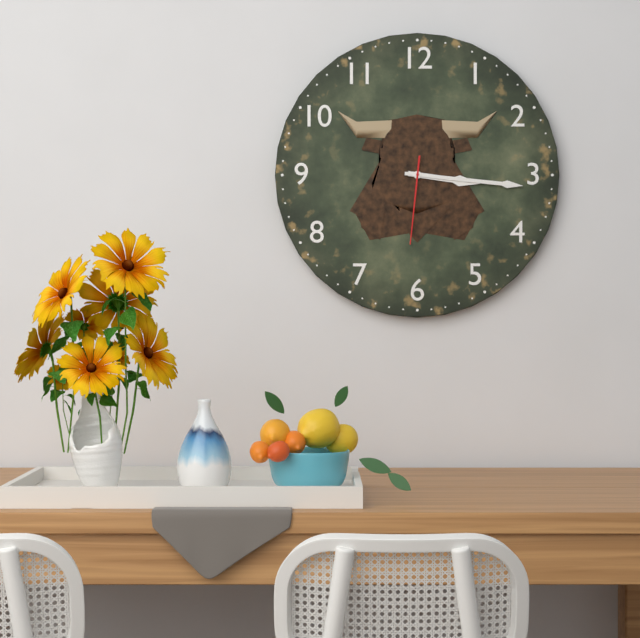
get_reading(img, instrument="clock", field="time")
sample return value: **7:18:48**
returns **3:16:31**
